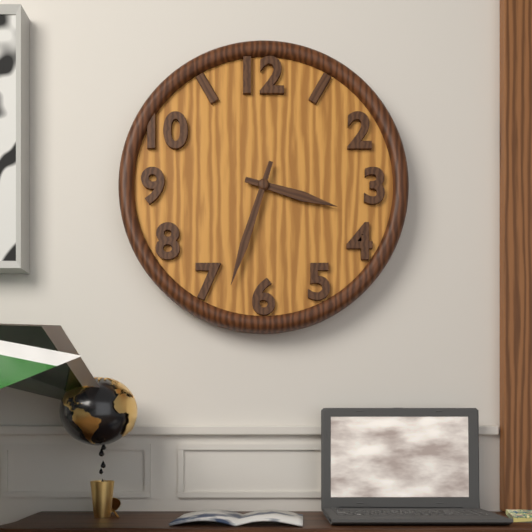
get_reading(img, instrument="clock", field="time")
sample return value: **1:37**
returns **3:33**
